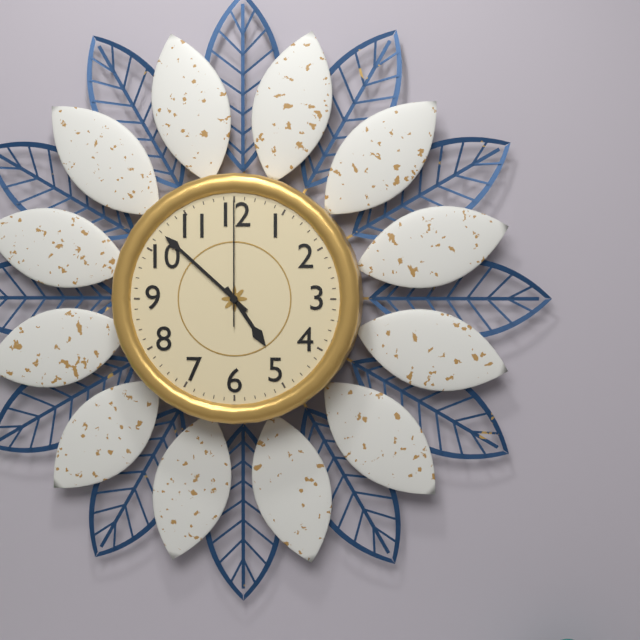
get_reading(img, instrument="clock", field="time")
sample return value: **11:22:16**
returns **4:52:00**
